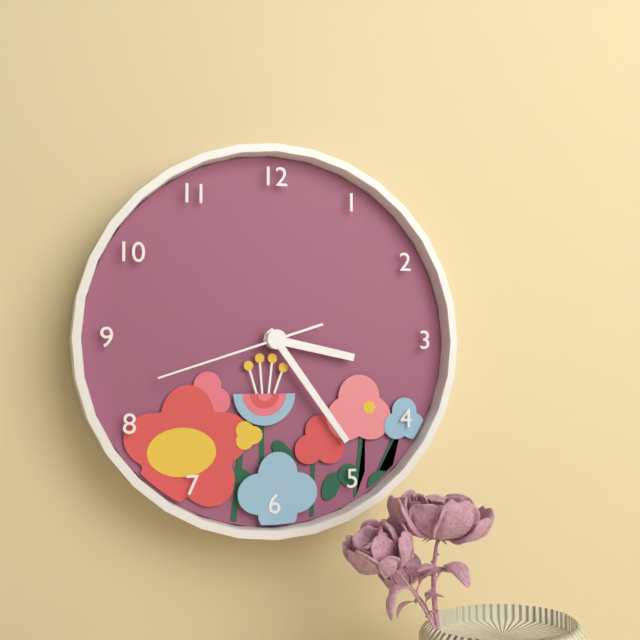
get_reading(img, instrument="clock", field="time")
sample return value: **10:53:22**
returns **3:24:42**
